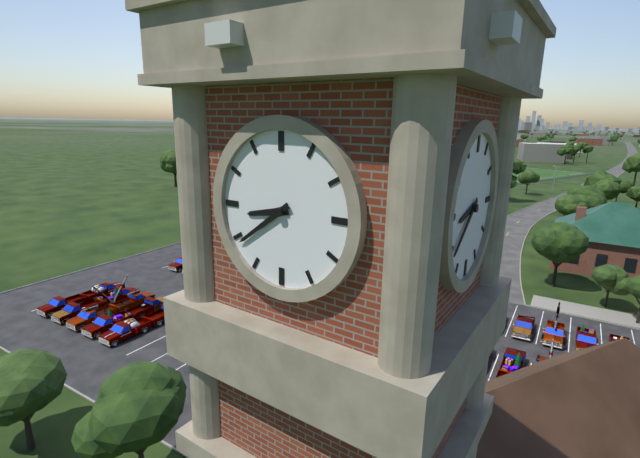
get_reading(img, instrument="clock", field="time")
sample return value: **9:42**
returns **8:39**
